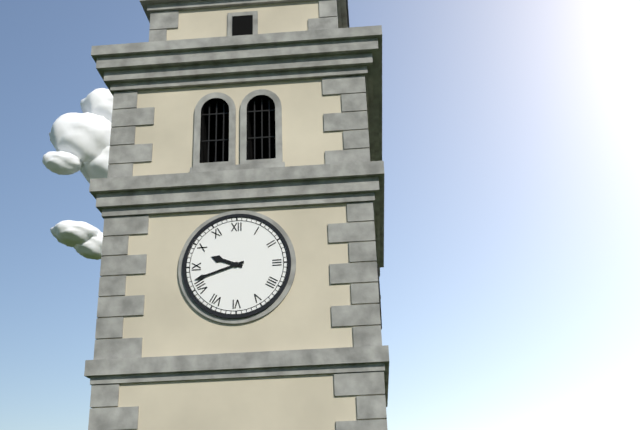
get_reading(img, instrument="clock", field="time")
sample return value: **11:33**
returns **9:42**
